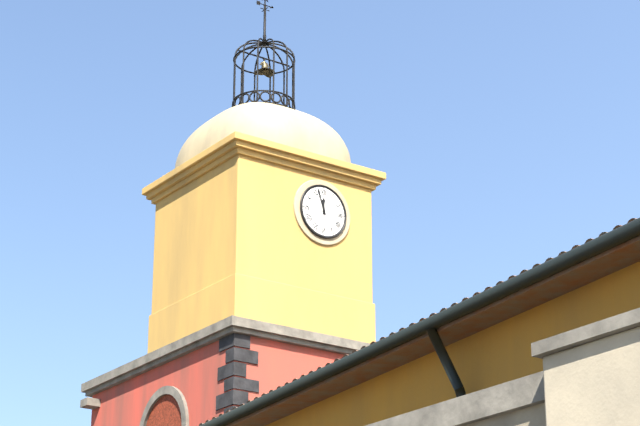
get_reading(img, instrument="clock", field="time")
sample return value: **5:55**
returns **11:57**
